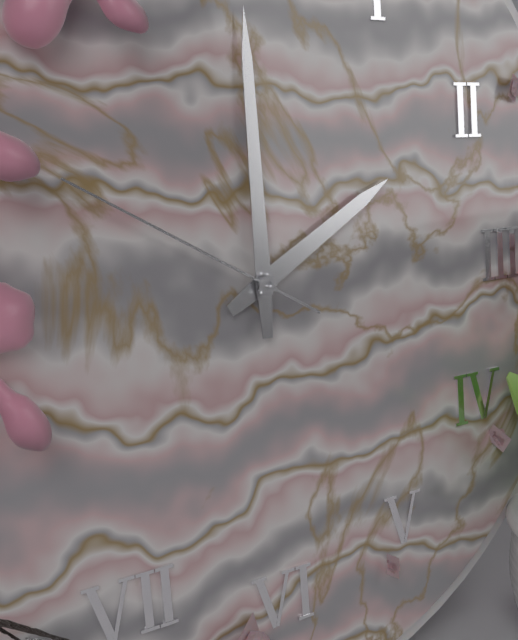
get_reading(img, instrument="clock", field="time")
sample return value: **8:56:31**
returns **2:00:50**
